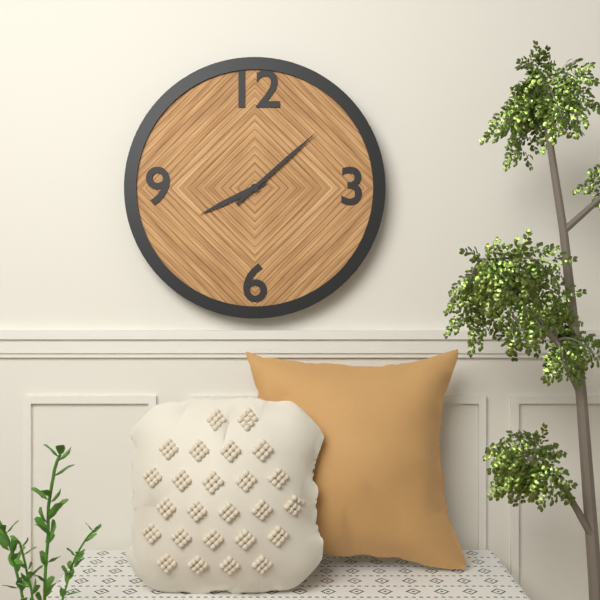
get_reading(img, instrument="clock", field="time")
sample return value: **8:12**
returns **8:08**
